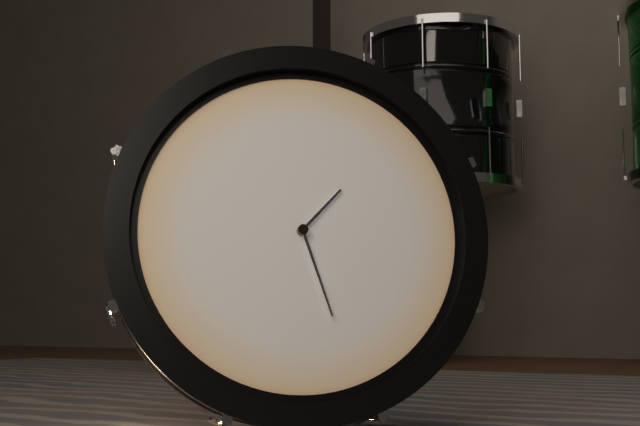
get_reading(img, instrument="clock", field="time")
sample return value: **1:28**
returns **1:27**
